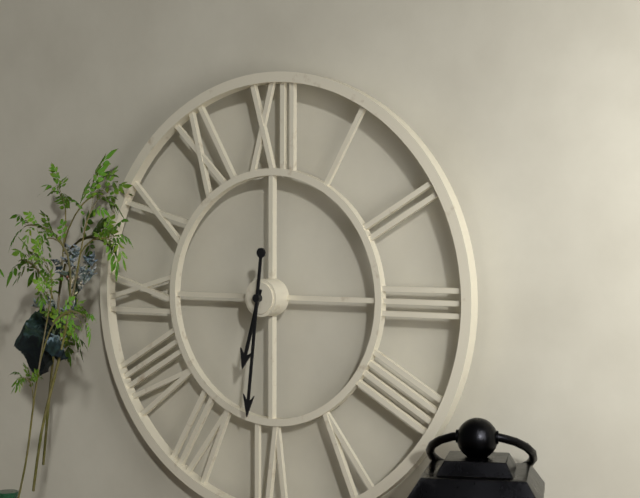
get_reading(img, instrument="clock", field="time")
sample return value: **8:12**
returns **6:31**
